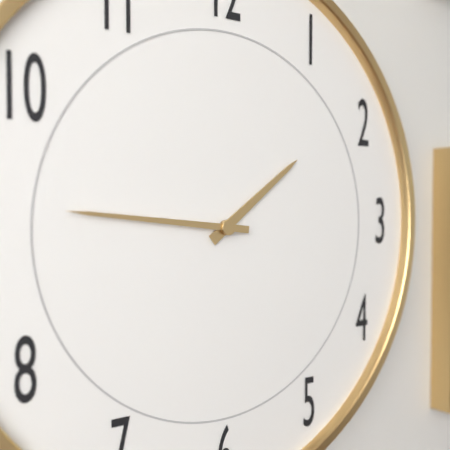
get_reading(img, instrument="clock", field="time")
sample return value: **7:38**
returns **1:46**
